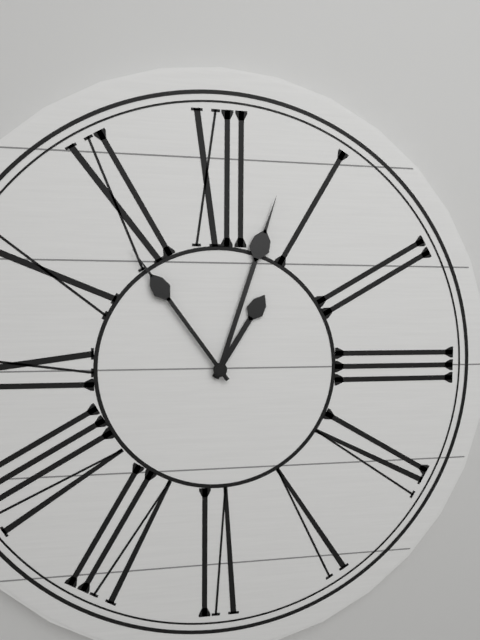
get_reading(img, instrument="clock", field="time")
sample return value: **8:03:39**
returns **1:03:54**
